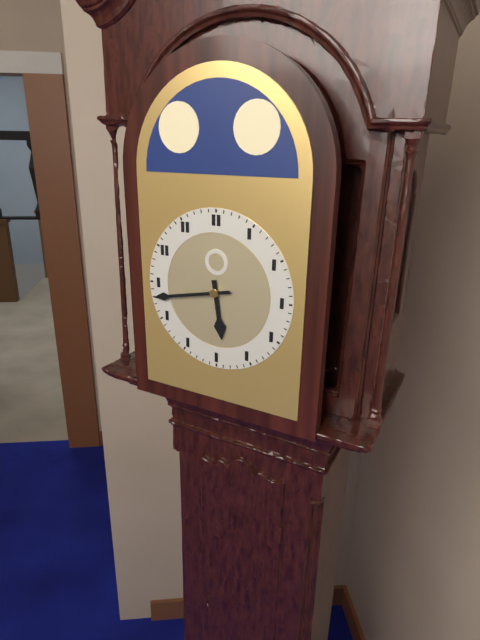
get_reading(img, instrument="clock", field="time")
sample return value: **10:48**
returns **5:43**
